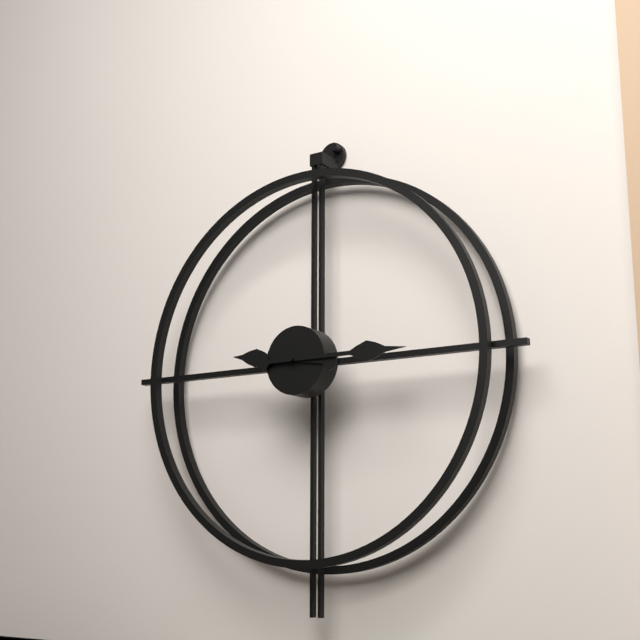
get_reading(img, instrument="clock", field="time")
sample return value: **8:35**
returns **9:15**
